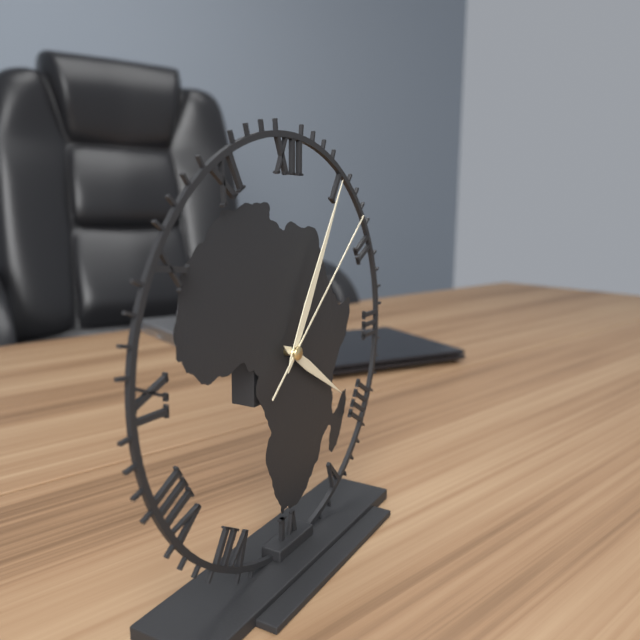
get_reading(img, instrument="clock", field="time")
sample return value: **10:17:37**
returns **4:05:08**
